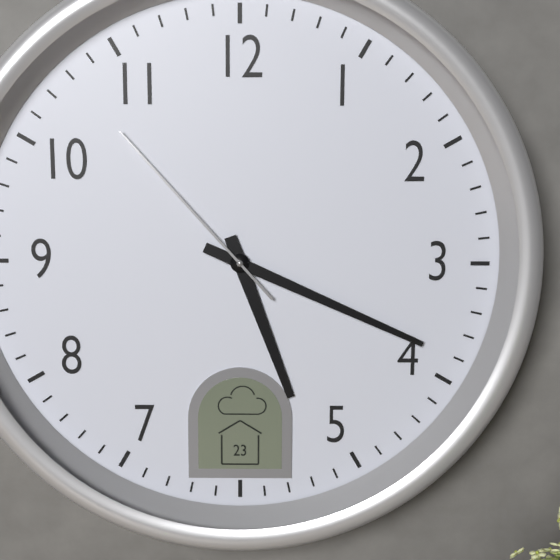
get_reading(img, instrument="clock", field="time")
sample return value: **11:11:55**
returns **5:19:53**
